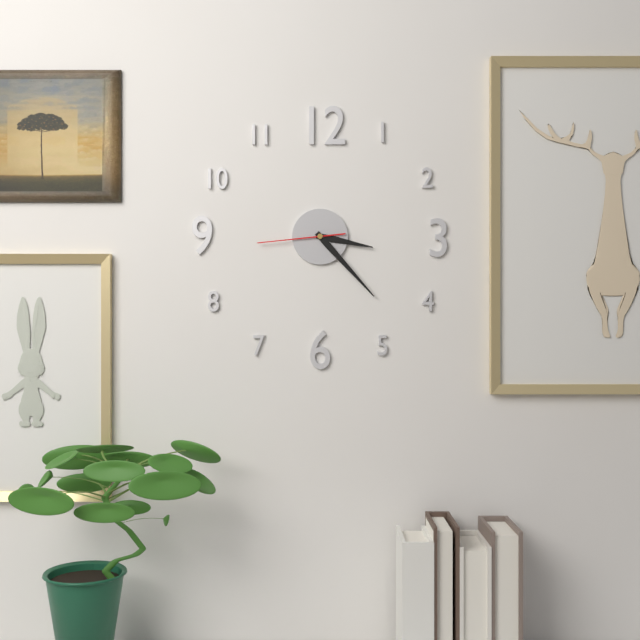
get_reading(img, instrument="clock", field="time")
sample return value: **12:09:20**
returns **3:23:44**
